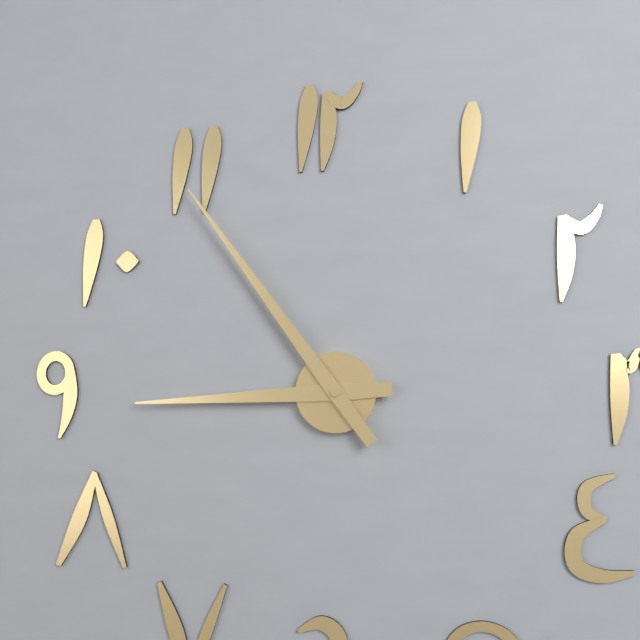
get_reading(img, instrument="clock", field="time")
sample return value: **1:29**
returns **8:54**
